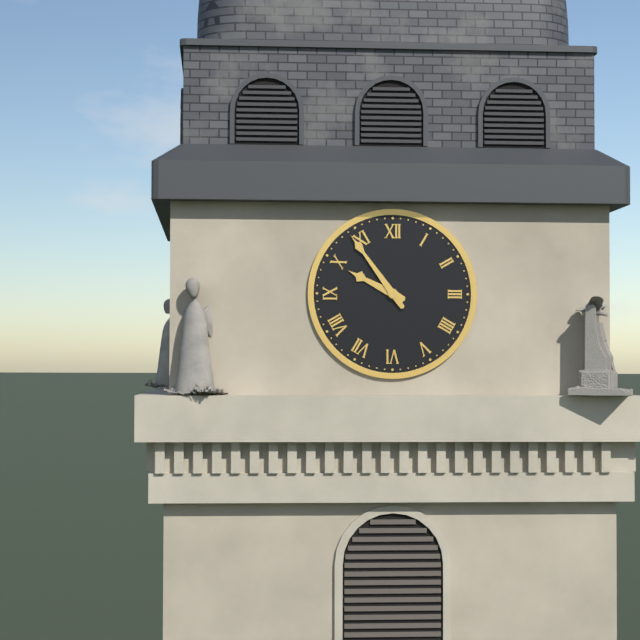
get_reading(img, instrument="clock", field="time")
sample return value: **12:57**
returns **9:54**
